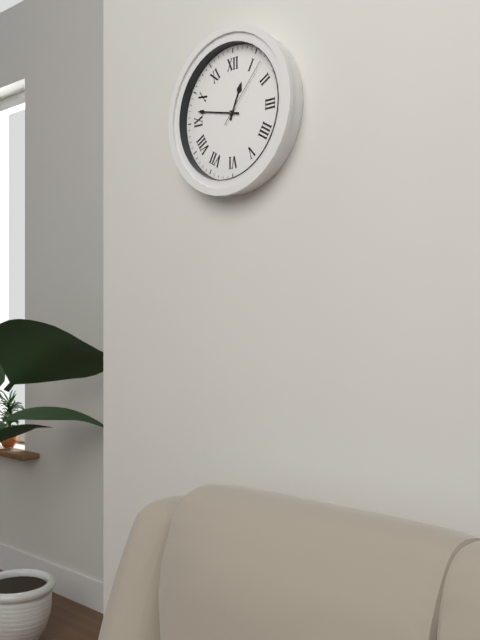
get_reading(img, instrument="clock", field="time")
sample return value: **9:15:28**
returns **12:47:07**
